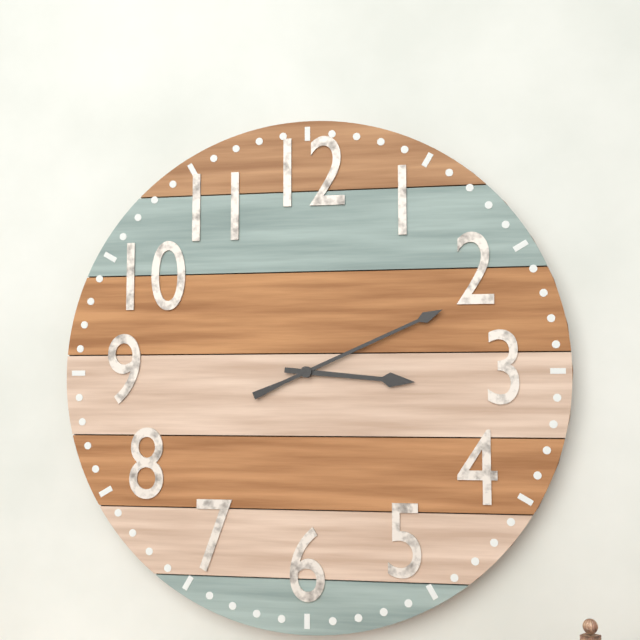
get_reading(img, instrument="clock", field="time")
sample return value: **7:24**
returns **3:11**
